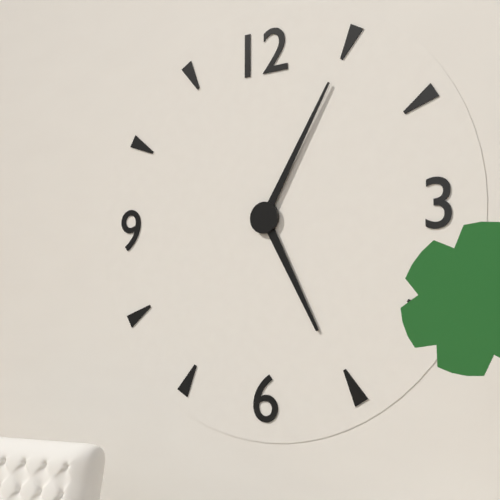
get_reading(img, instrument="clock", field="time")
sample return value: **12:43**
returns **5:05**
